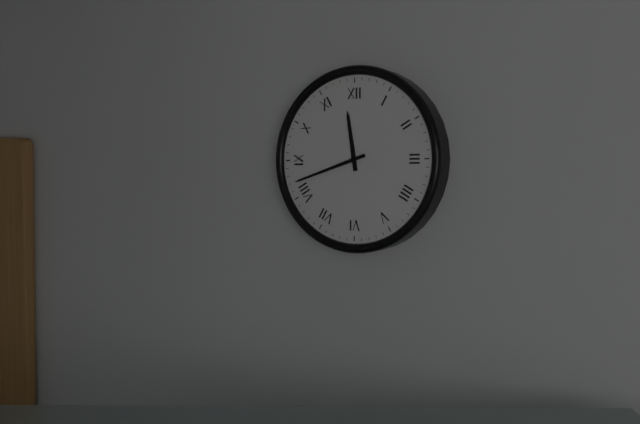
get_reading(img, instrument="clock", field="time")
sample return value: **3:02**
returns **11:42**
